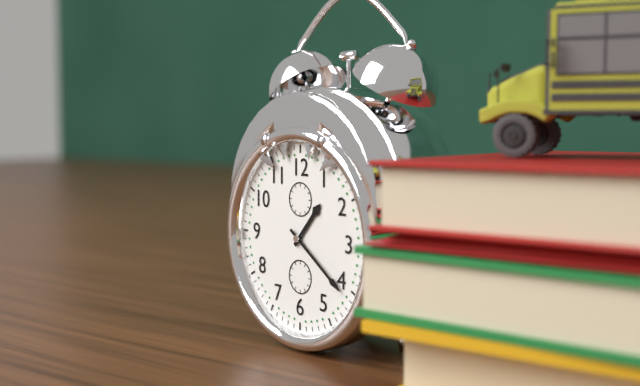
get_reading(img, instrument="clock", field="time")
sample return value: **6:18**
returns **1:21**
